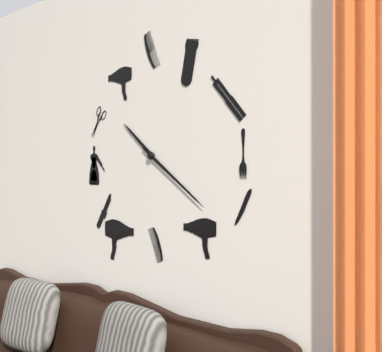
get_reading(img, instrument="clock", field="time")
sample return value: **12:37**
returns **10:21**
